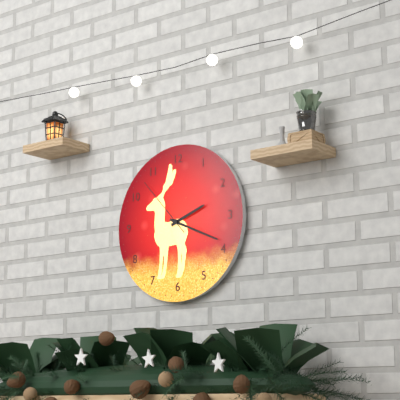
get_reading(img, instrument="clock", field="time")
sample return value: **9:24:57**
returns **2:19:53**
